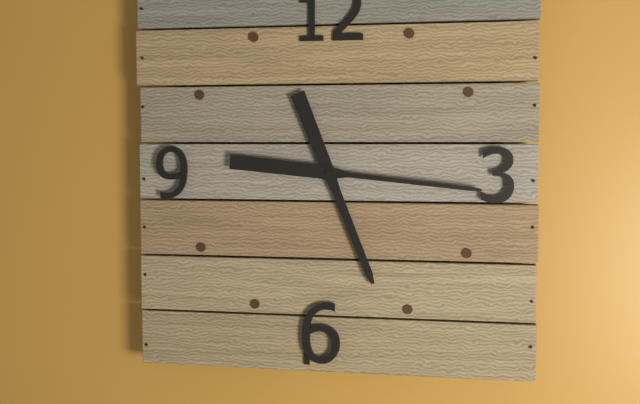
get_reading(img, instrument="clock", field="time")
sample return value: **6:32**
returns **5:16**
